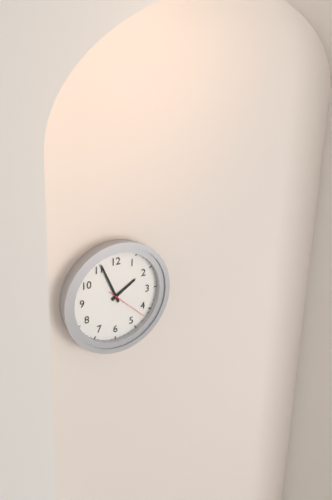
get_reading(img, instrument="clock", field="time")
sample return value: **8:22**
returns **1:56**
